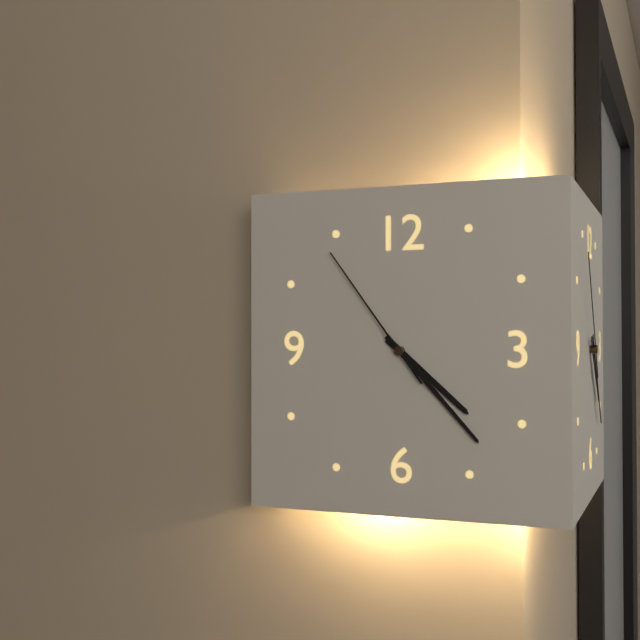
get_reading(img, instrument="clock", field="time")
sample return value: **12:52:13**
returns **4:23:54**
